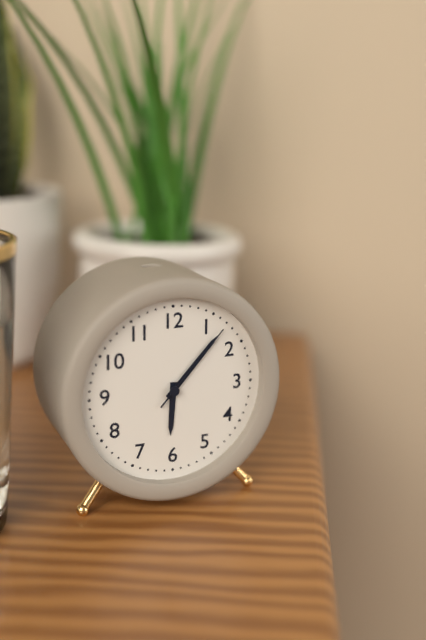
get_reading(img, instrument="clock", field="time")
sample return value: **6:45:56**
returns **6:07:07**
